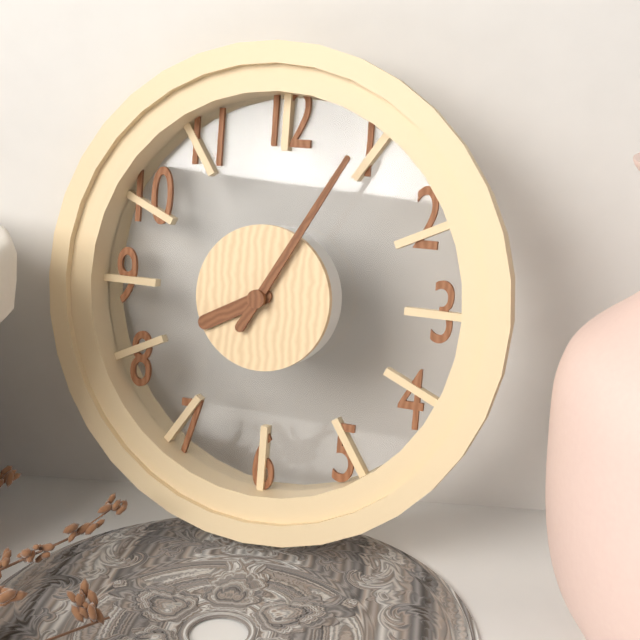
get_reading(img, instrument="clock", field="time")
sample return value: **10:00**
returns **8:05**
